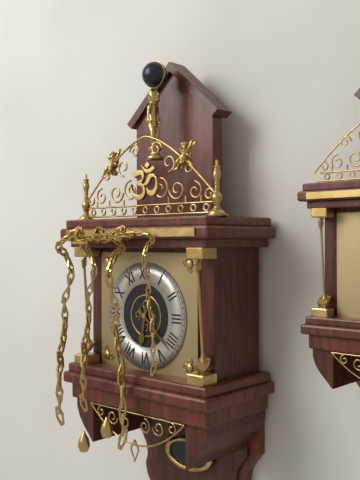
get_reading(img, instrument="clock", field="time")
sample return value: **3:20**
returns **6:22**
